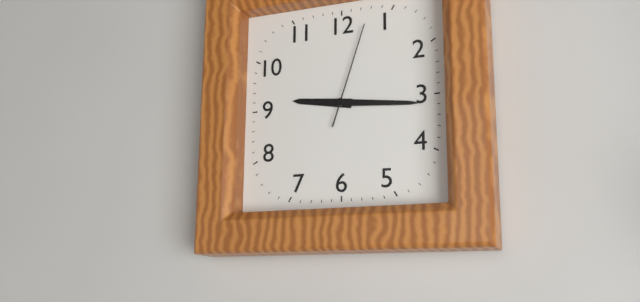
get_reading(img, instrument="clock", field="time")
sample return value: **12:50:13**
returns **9:16:03**
